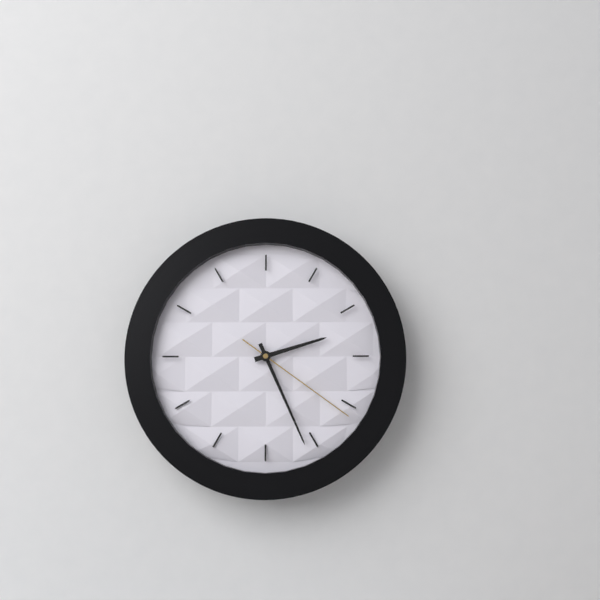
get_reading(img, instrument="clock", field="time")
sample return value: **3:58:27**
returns **2:26:21**
